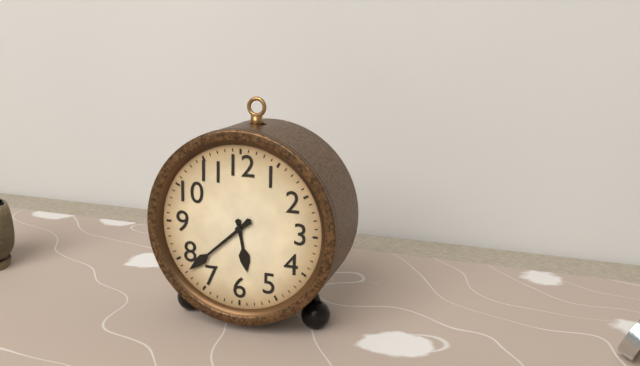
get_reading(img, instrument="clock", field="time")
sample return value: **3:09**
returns **5:38**
